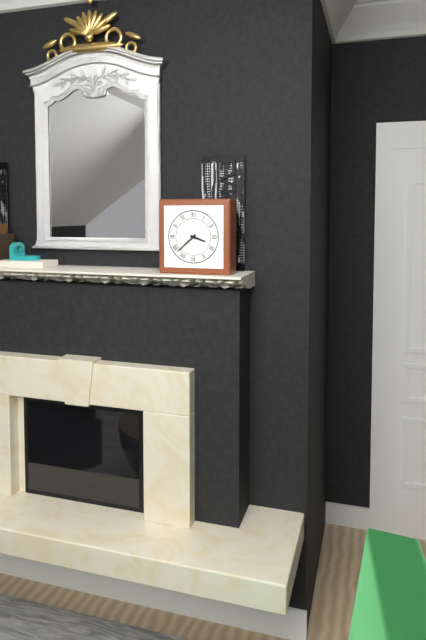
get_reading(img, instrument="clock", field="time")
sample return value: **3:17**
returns **3:38**
